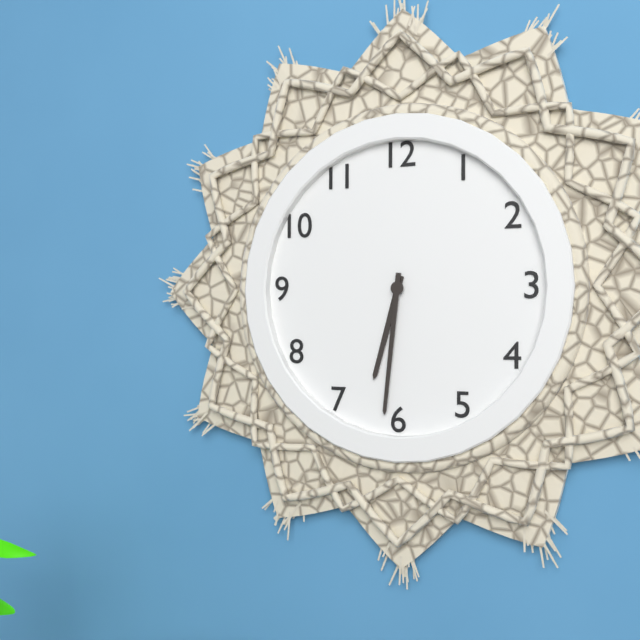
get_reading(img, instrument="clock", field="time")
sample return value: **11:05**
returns **6:31**
